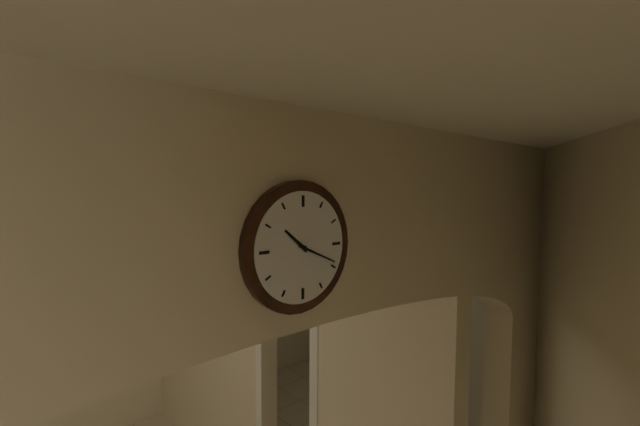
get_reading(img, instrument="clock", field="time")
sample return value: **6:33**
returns **10:19**
